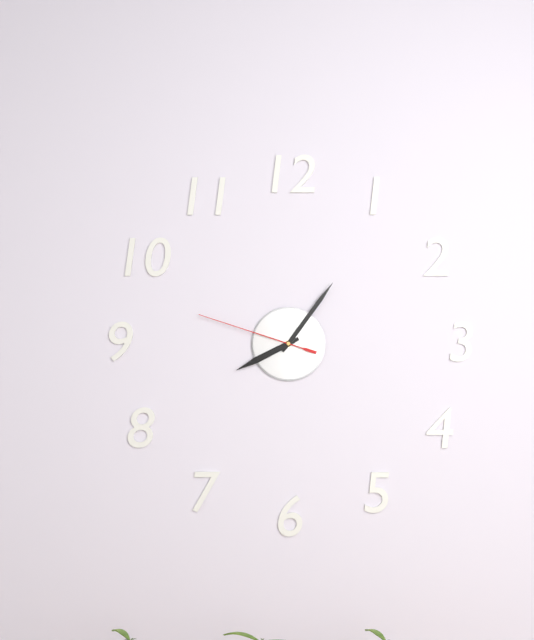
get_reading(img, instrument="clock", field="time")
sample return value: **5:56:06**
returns **8:06:48**
